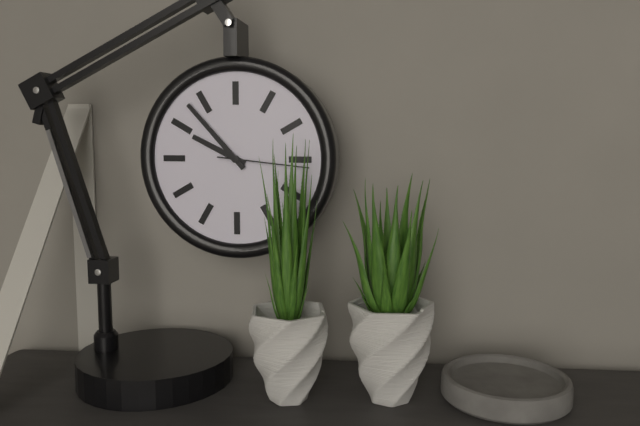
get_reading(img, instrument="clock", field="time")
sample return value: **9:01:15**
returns **9:53:16**
